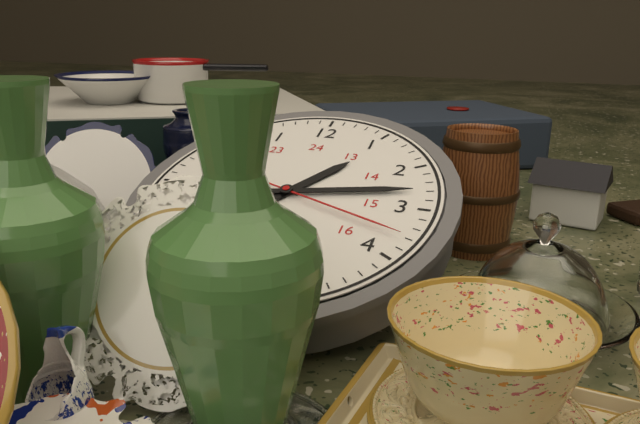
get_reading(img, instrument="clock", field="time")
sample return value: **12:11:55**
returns **1:13:18**
